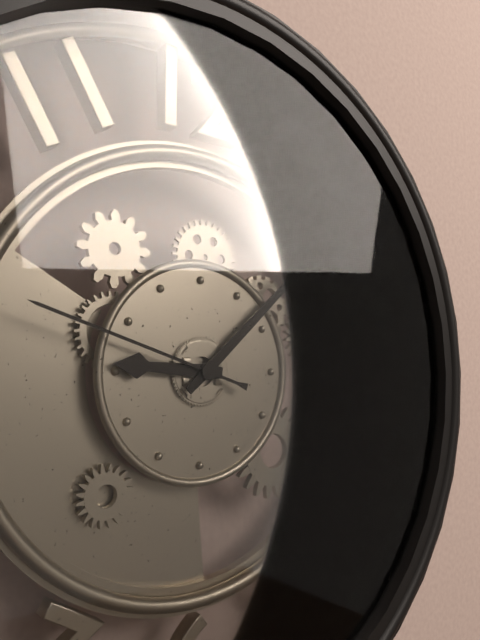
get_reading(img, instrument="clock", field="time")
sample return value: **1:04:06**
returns **9:08:48**
